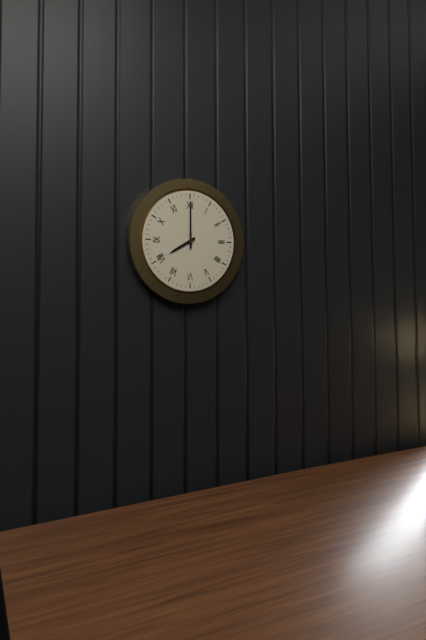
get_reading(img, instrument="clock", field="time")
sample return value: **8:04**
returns **8:00**
